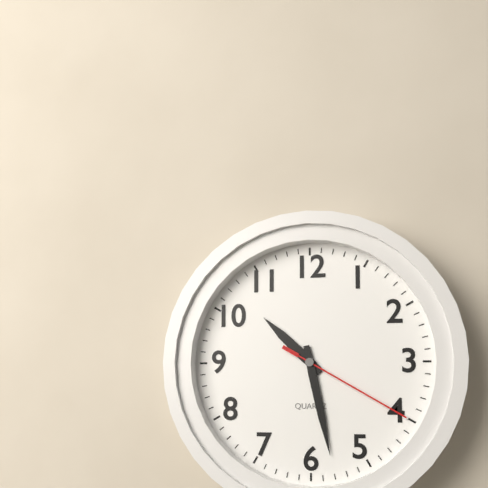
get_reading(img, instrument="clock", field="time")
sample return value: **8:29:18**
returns **10:28:20**
